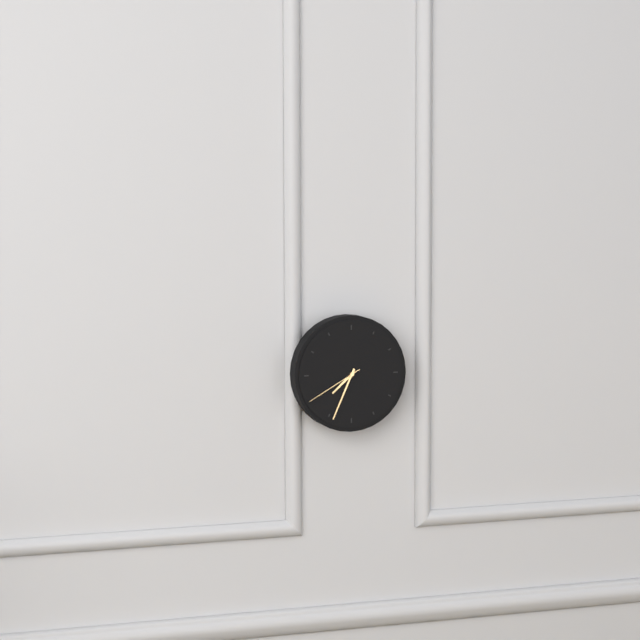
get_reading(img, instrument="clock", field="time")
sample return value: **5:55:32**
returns **7:34:40**
